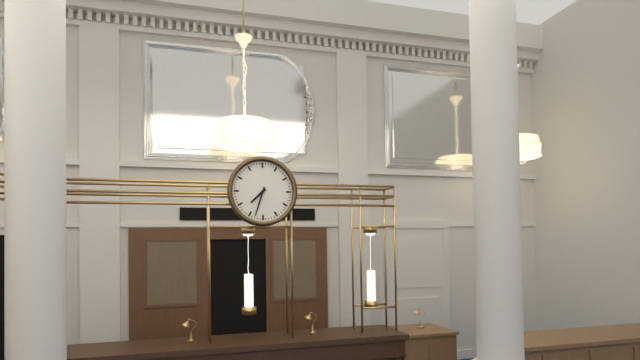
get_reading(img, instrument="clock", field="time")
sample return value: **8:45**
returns **7:33**
